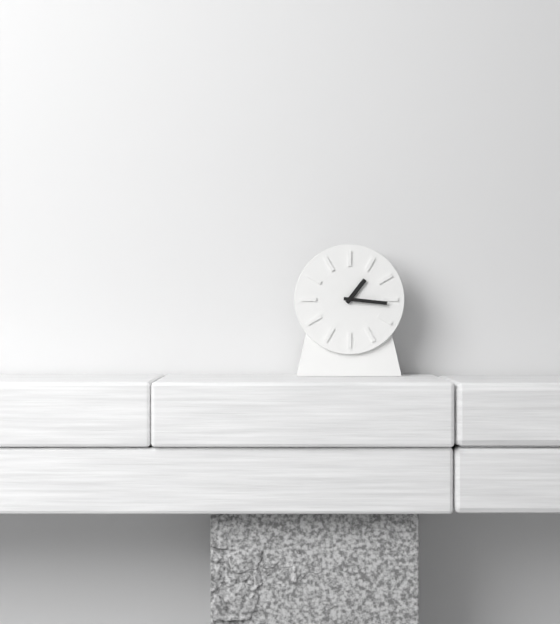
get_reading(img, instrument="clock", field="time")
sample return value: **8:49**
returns **1:16**
